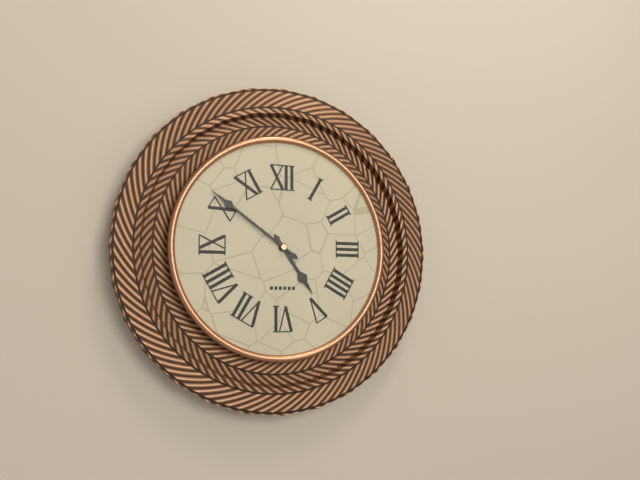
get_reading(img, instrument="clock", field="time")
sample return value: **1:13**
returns **4:51**
